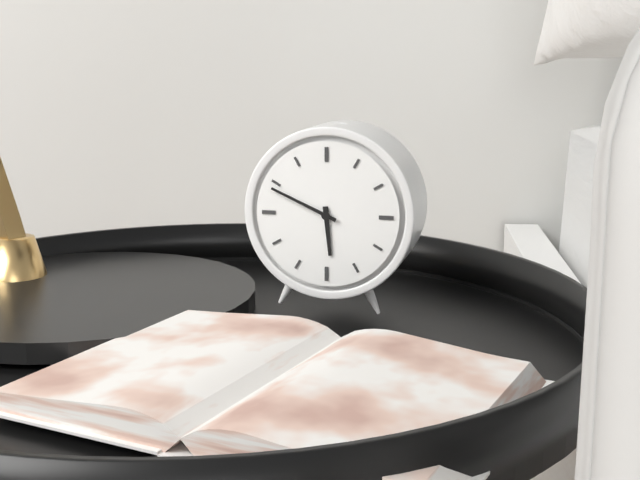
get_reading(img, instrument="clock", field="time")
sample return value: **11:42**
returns **5:49**
